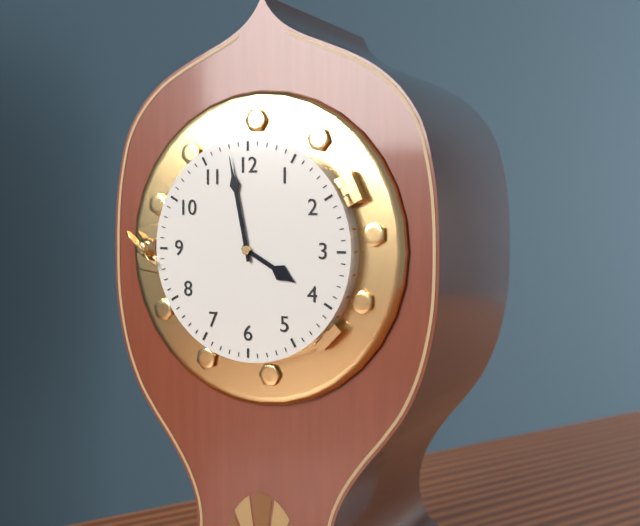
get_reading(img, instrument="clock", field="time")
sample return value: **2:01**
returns **3:58**
